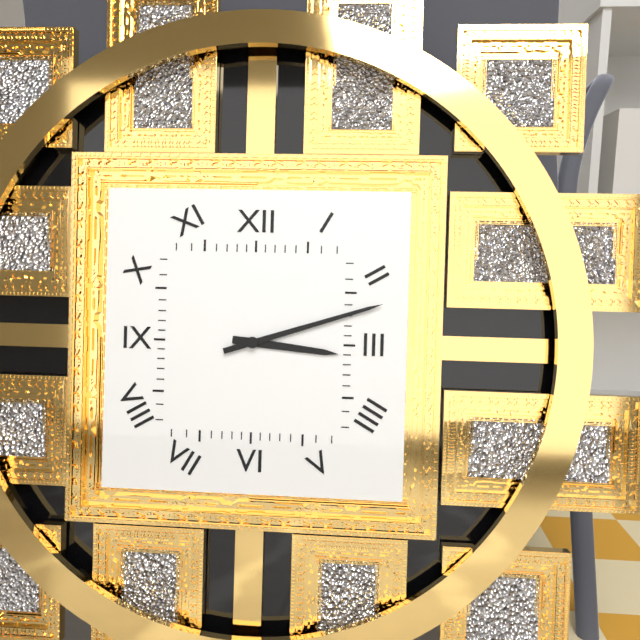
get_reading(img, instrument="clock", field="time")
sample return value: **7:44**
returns **3:12**
